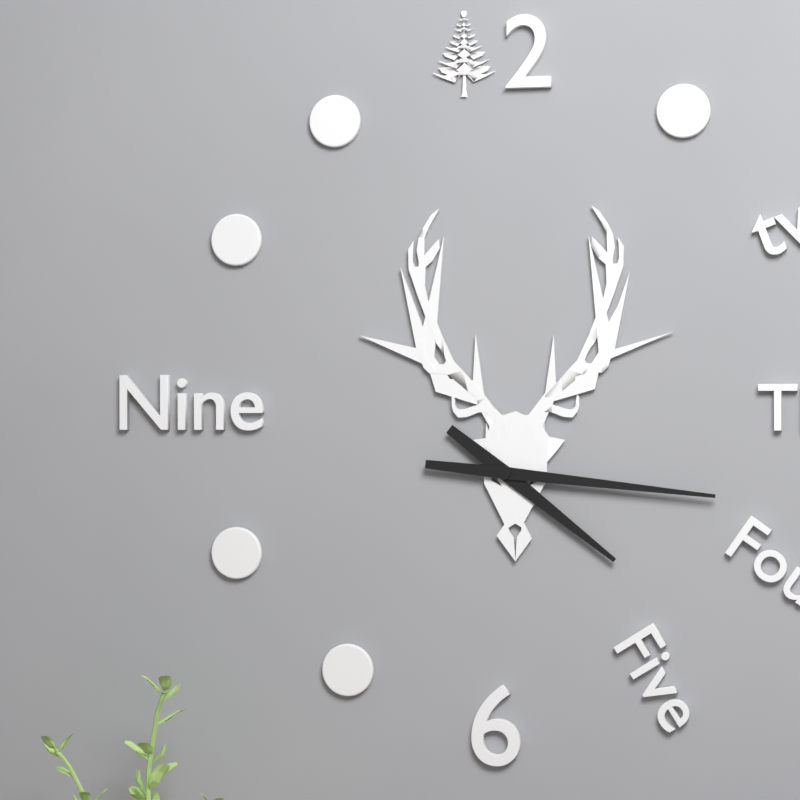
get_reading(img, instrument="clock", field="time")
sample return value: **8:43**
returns **4:16**
